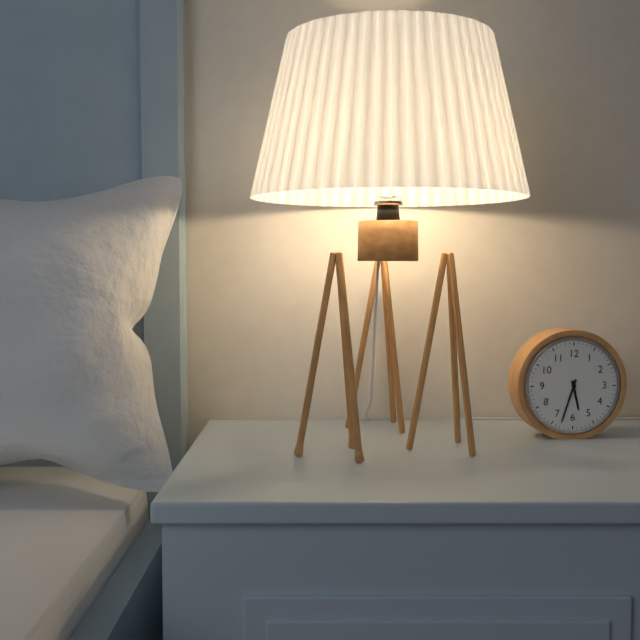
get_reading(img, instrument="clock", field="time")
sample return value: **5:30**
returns **5:33**
